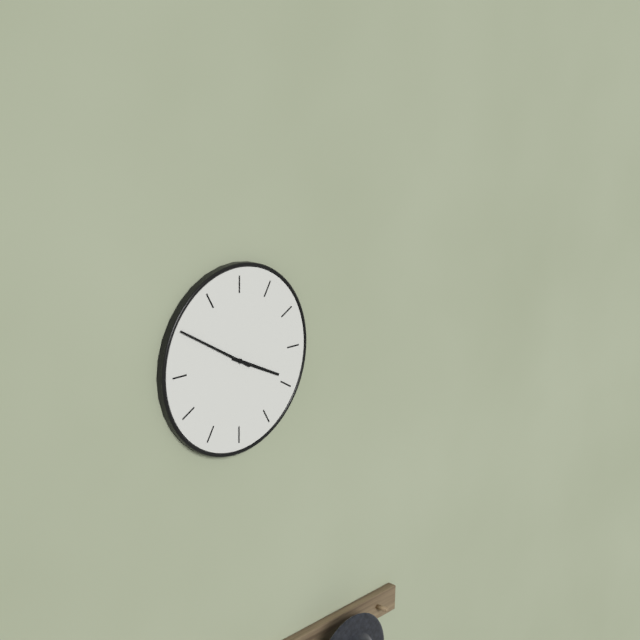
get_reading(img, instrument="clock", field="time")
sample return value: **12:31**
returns **3:50**
